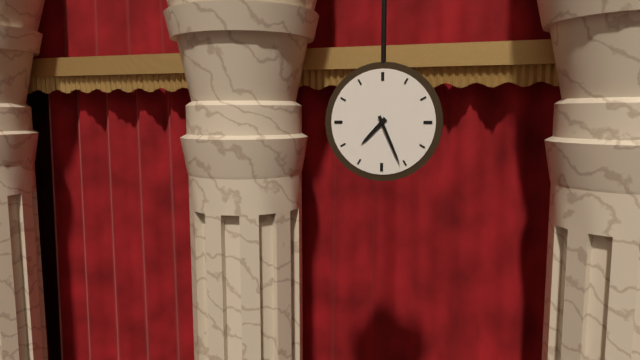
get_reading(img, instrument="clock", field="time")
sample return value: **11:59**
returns **7:26**
